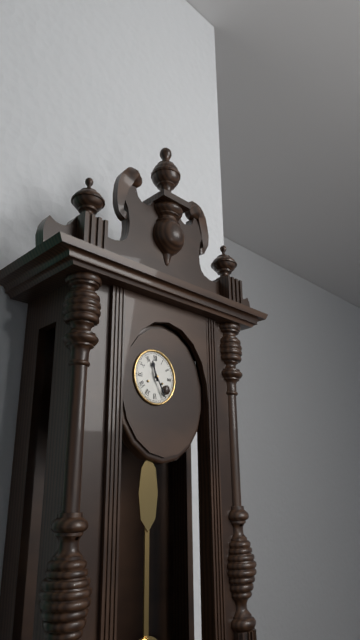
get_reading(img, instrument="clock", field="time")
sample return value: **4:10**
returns **11:25**
